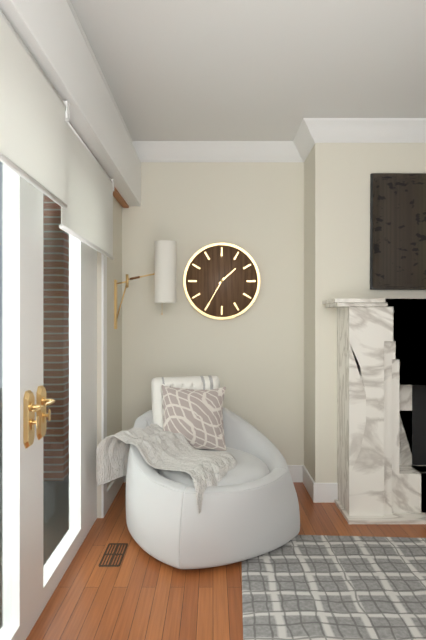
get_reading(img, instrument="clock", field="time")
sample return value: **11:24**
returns **1:35**
